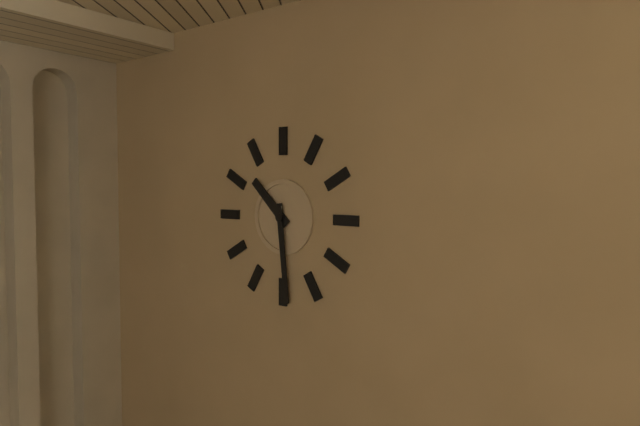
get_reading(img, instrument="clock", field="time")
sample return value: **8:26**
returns **10:29**
